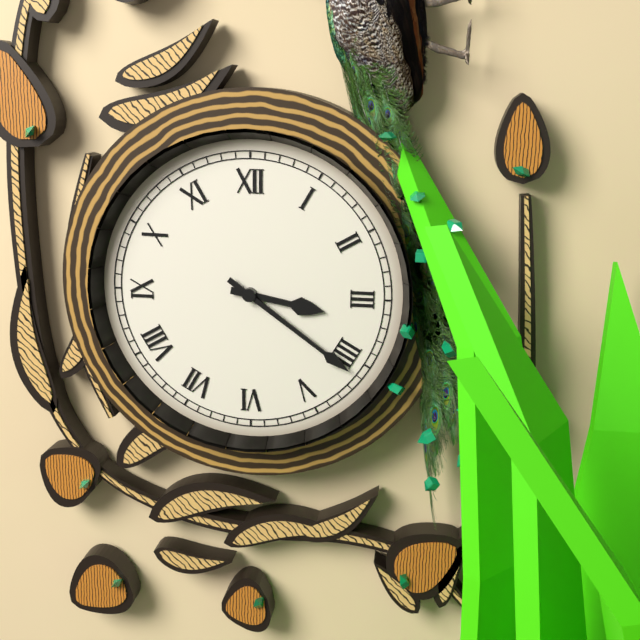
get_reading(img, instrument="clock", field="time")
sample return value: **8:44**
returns **3:21**
